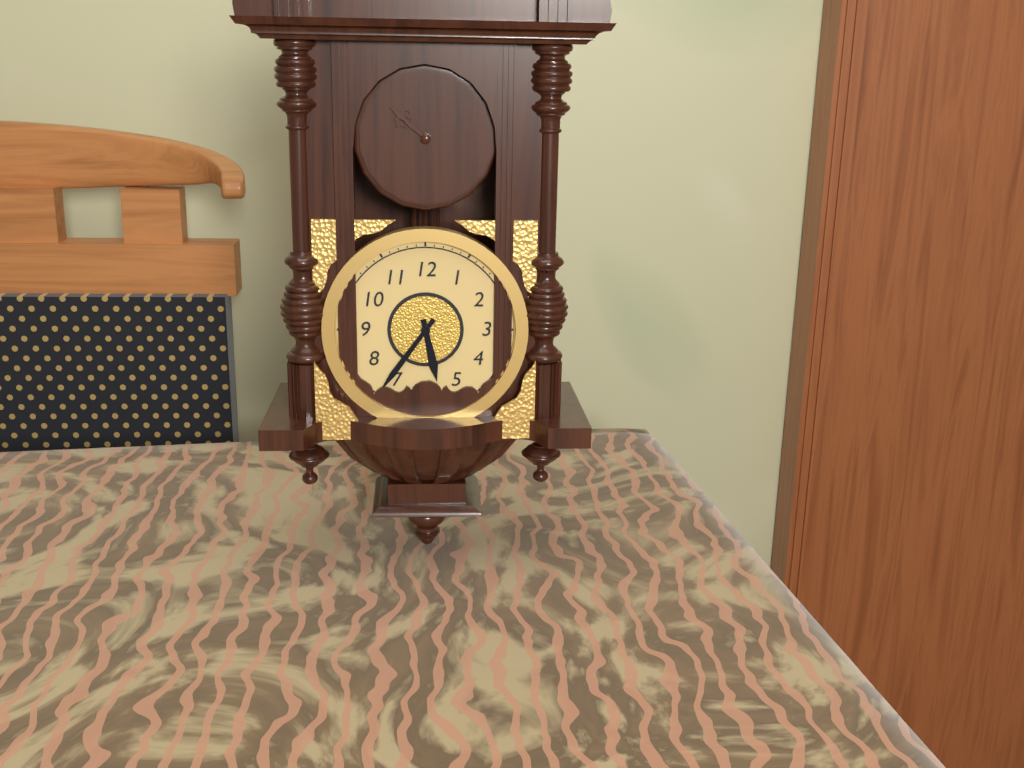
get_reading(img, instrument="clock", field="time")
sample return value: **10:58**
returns **5:36**
